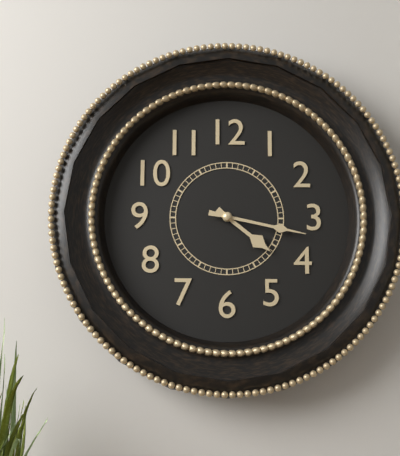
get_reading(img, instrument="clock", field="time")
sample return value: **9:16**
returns **4:17**
